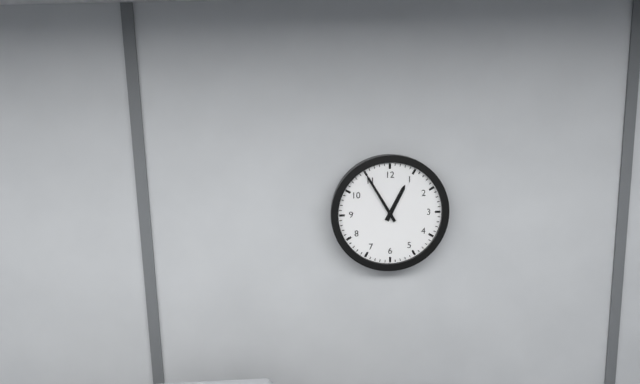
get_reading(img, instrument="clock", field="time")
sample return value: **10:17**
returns **12:55**
